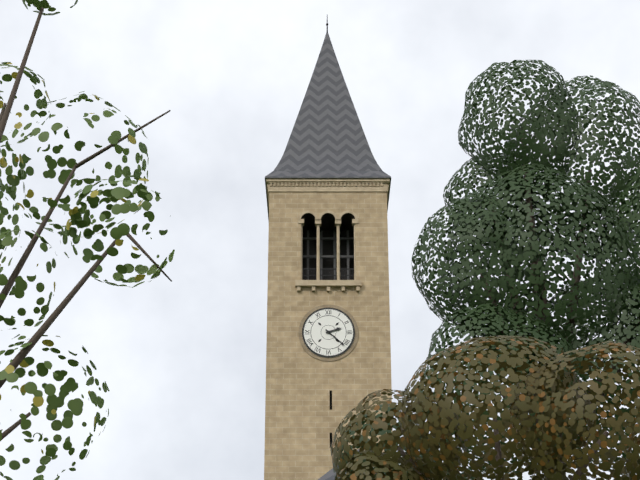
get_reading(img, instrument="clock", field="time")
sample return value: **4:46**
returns **2:22**
